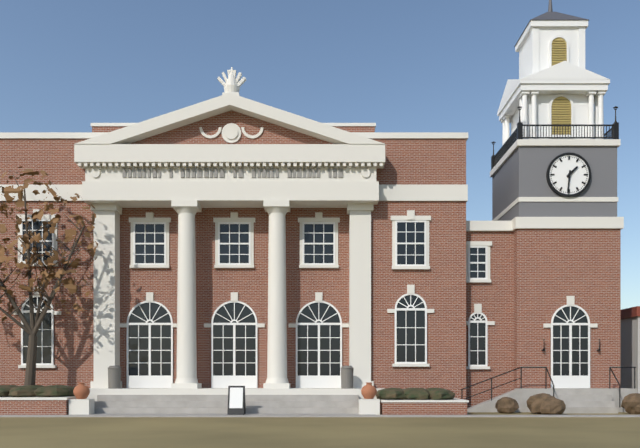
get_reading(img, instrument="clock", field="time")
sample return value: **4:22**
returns **1:31**
